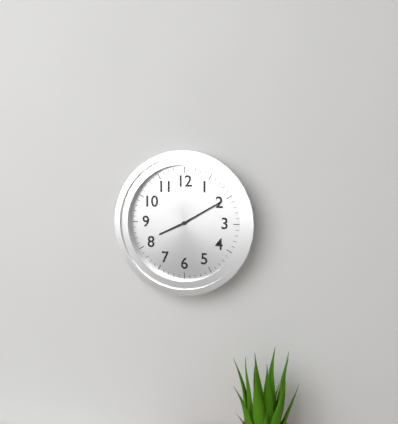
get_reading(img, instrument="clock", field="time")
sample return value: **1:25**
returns **8:10**
